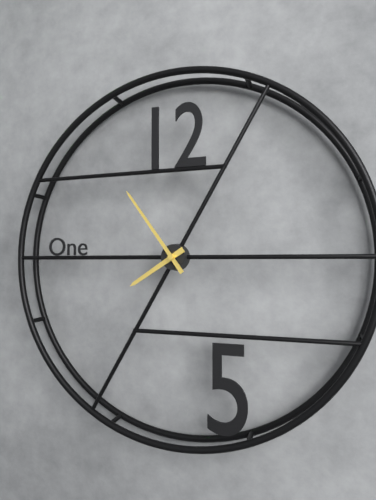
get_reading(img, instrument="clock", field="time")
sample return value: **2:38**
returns **7:54**
